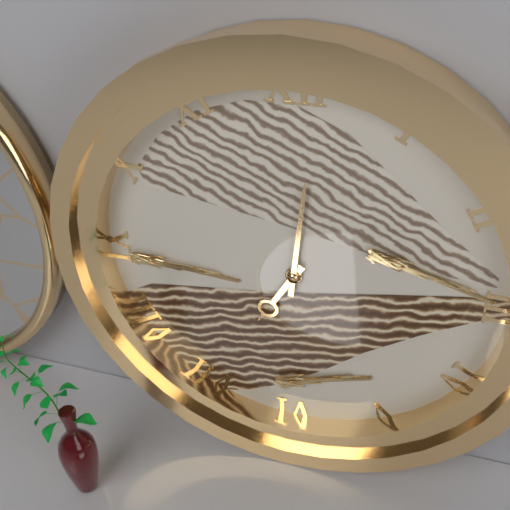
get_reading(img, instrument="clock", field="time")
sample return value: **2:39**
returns **7:01**
